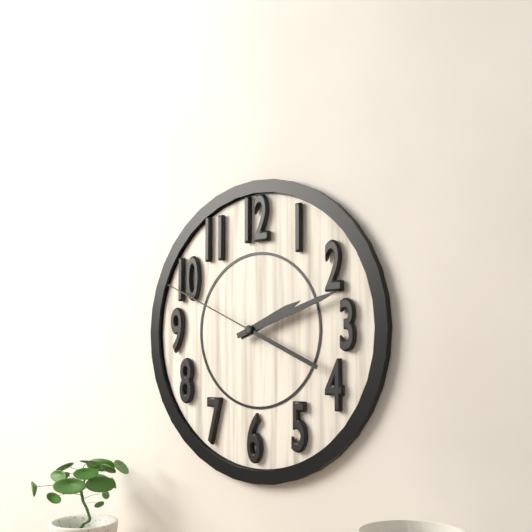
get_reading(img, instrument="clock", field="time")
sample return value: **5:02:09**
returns **2:12:49**
